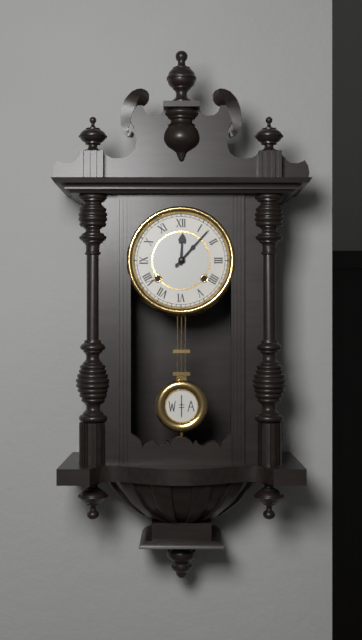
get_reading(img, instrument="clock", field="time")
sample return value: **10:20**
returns **12:07**
